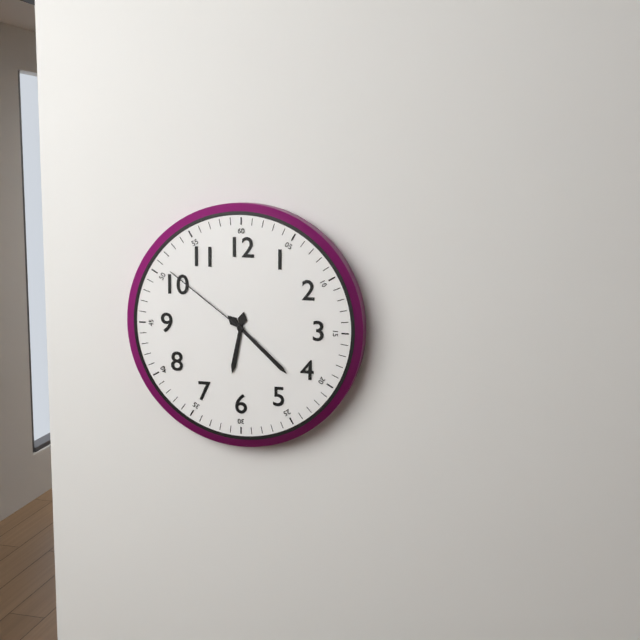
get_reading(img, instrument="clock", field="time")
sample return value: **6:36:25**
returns **6:22:51**
